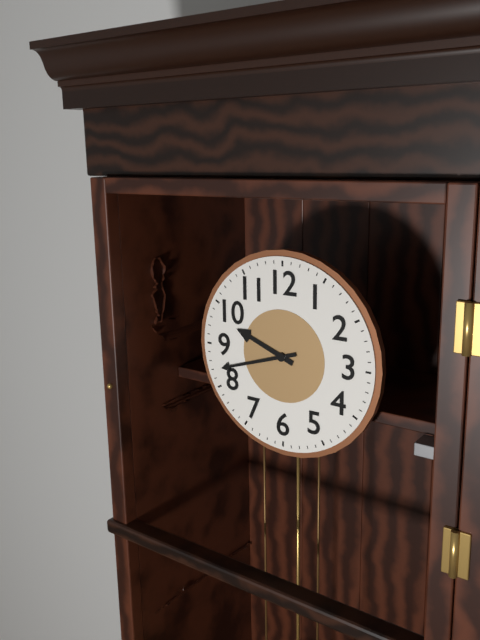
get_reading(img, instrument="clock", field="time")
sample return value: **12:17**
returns **9:42**
